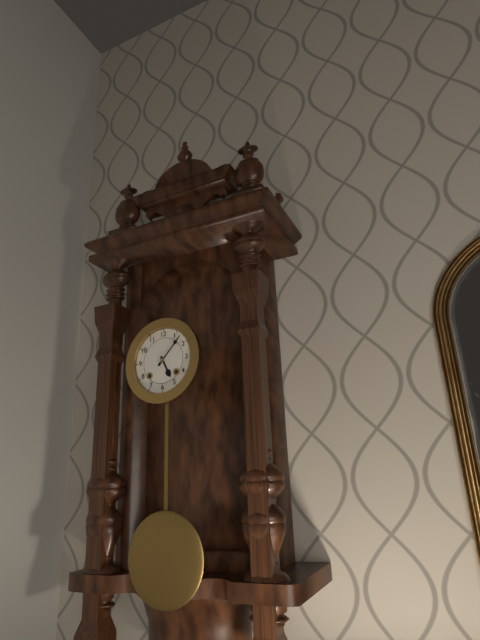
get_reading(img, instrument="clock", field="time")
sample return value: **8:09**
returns **5:07**
